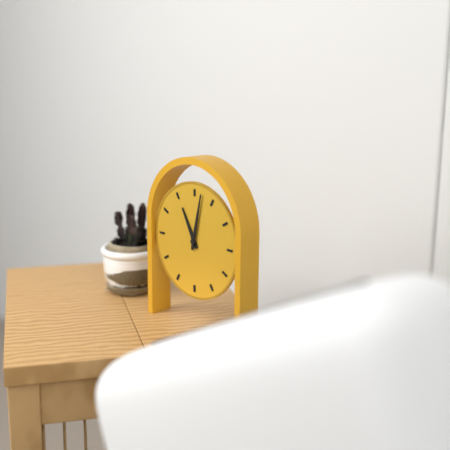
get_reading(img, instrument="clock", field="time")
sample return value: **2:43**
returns **11:02**
